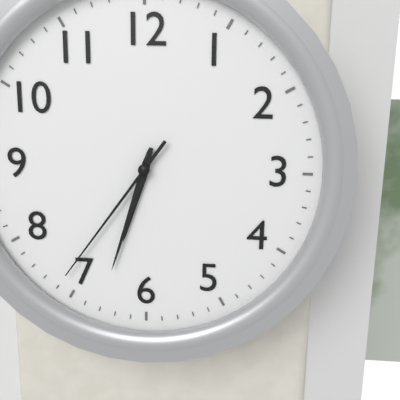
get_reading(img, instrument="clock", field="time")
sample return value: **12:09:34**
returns **6:33:36**
